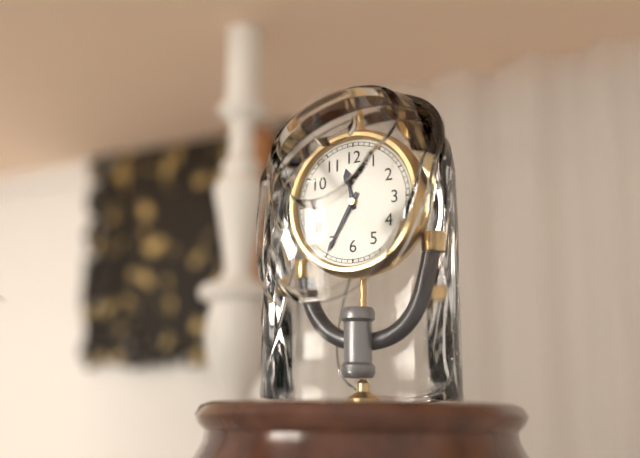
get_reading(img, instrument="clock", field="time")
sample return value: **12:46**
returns **11:35**
